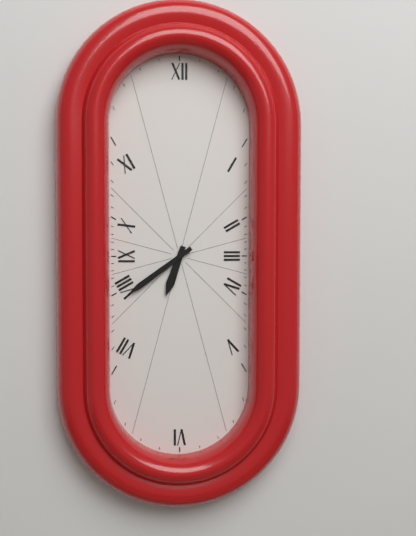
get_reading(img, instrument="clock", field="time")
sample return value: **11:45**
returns **6:39**
